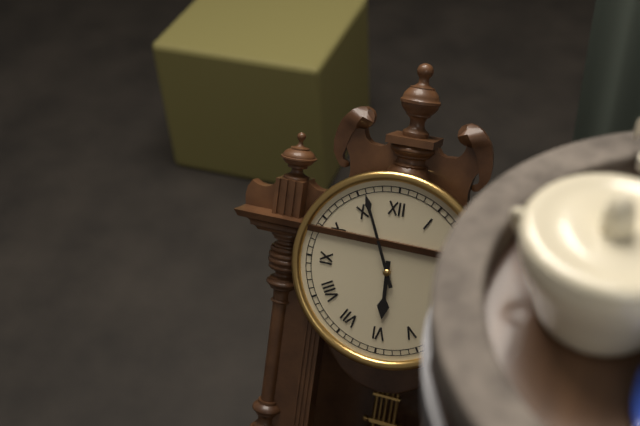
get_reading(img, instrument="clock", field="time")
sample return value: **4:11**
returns **5:56**
